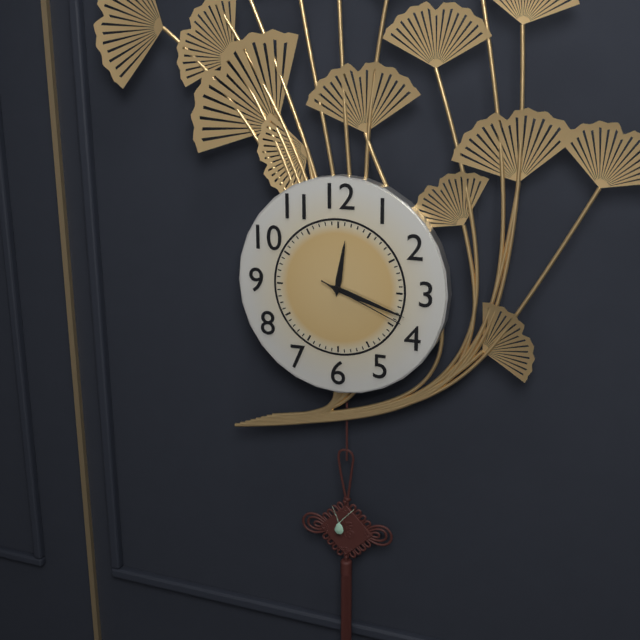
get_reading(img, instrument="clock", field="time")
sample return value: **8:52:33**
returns **12:18:19**
